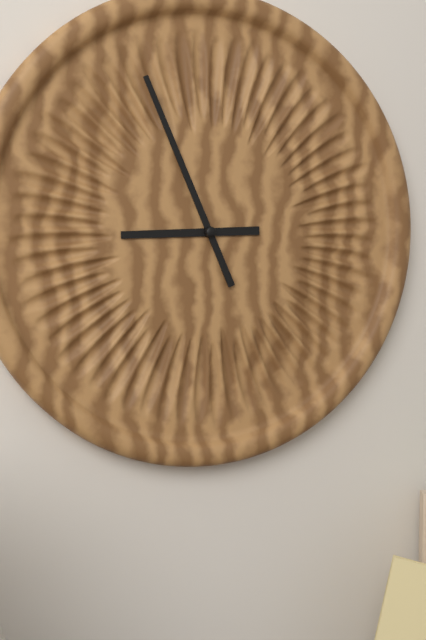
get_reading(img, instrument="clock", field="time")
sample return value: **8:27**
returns **8:56**
